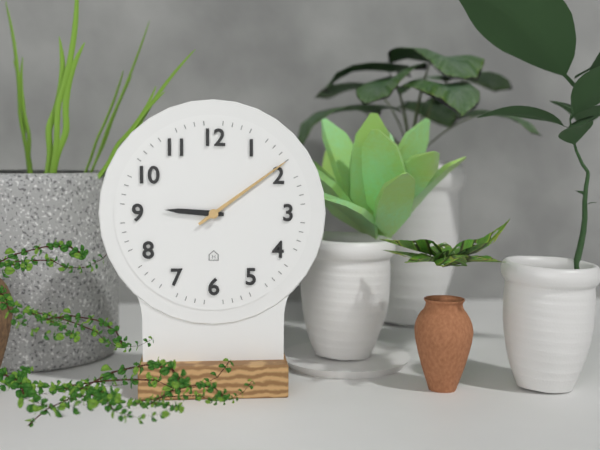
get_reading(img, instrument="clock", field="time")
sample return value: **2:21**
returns **9:09**
